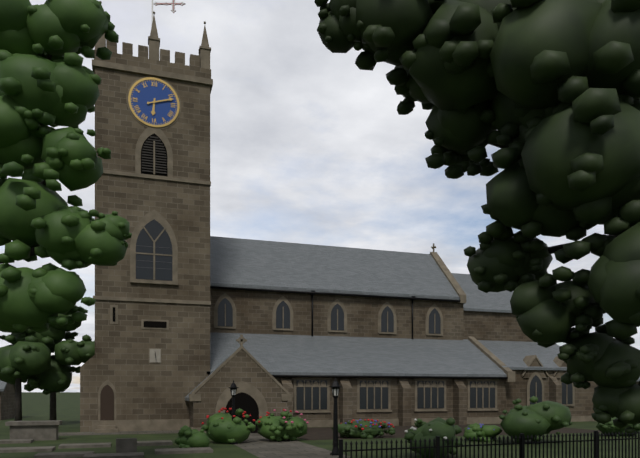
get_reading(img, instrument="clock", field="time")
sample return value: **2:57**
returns **6:12**
